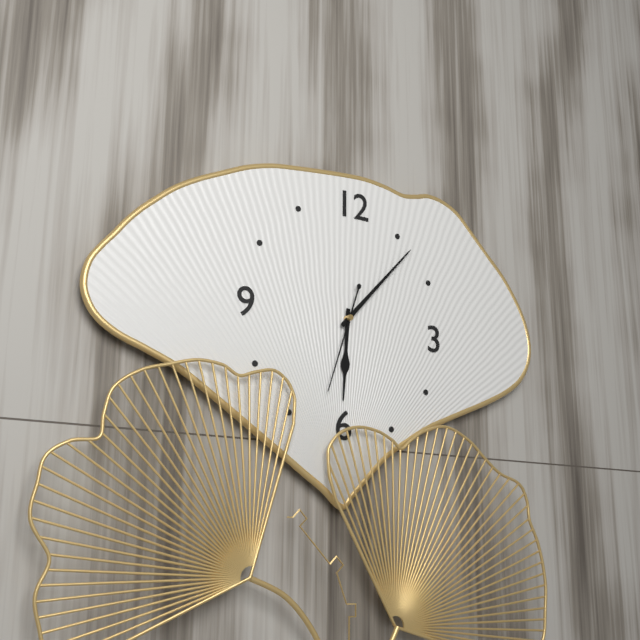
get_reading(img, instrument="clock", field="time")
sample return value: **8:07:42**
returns **6:07:33**
